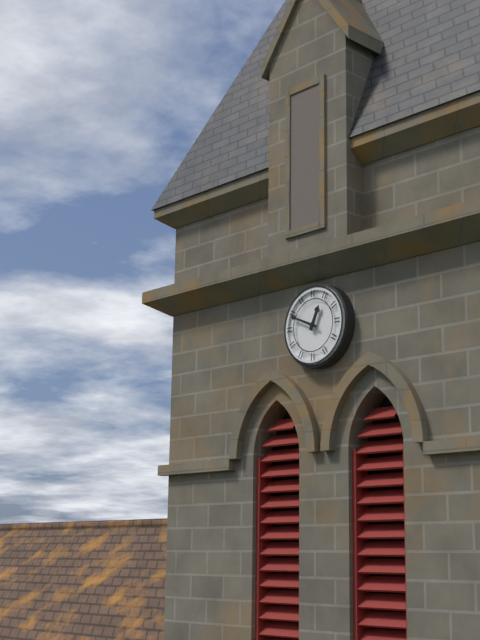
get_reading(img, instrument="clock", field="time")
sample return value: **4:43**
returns **12:49**
